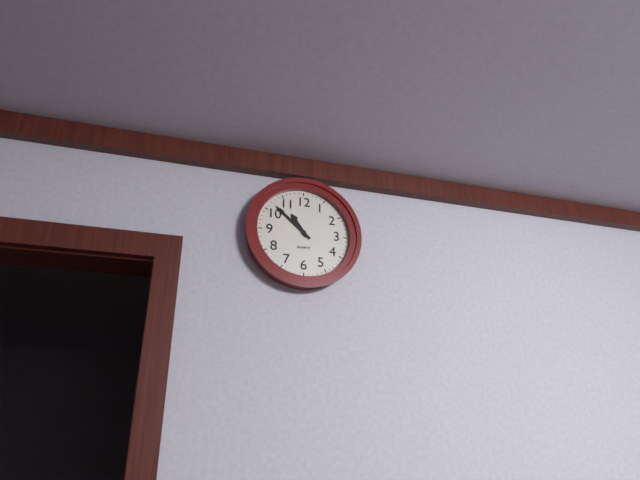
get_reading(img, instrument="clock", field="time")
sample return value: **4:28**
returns **10:52**
